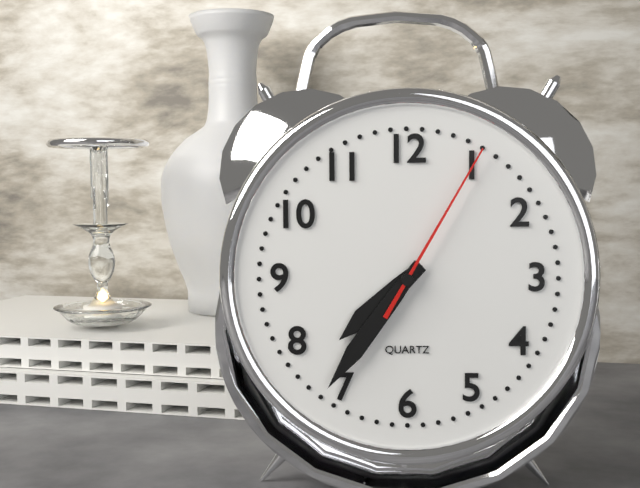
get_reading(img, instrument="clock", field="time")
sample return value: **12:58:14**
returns **7:36:05**
